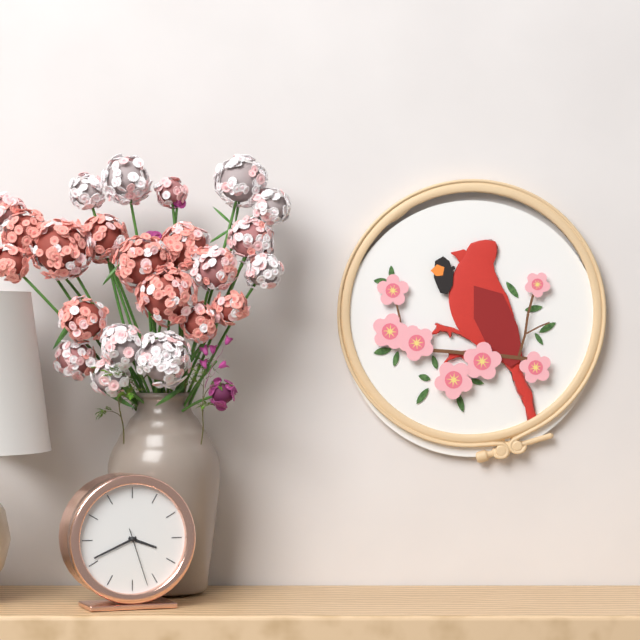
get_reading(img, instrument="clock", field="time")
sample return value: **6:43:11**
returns **3:41:27**
